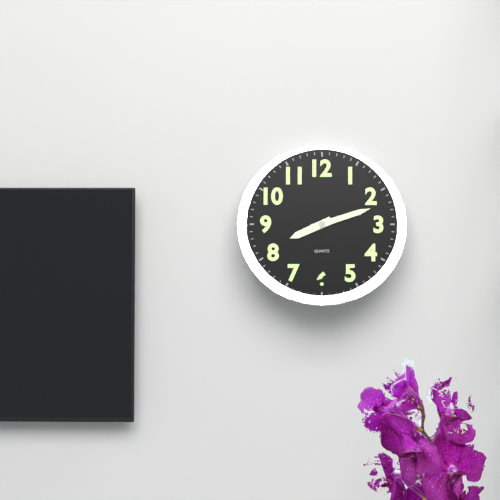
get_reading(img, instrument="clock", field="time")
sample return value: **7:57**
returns **8:12**
